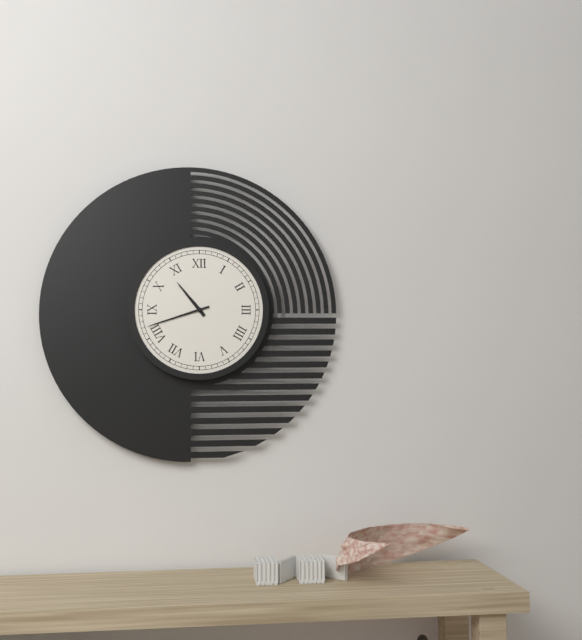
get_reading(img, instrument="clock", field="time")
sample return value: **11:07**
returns **10:42**
